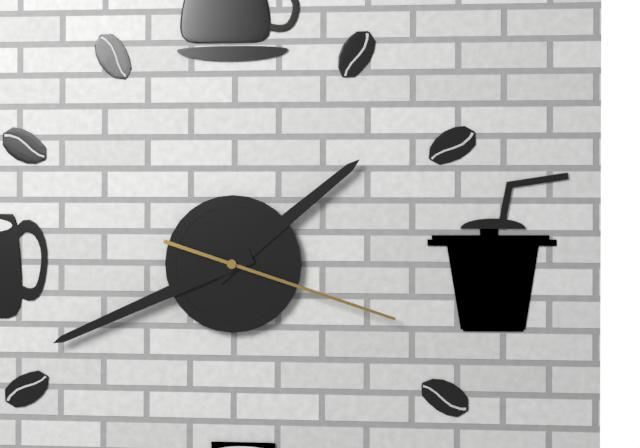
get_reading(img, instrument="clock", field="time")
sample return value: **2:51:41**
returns **1:41:18**
